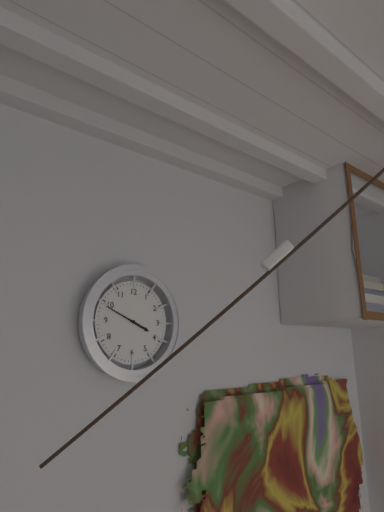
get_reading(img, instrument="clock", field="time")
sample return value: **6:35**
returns **3:49**
